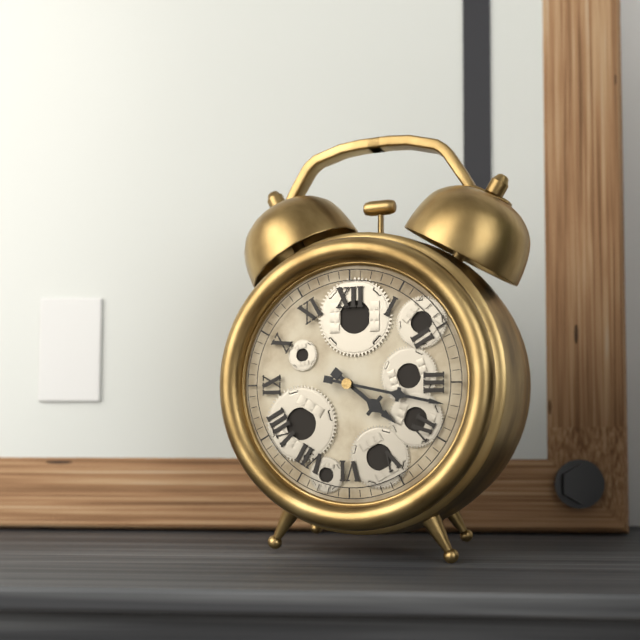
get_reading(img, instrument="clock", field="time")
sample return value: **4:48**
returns **4:17**
